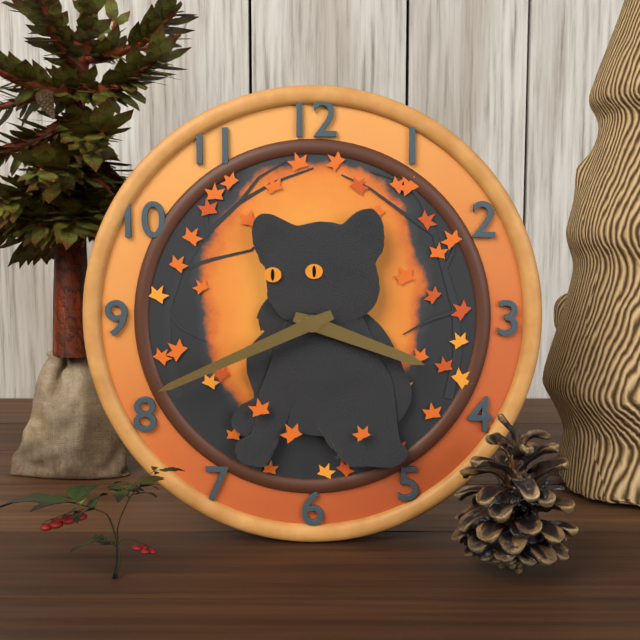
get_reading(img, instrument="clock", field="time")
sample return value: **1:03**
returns **3:41**
